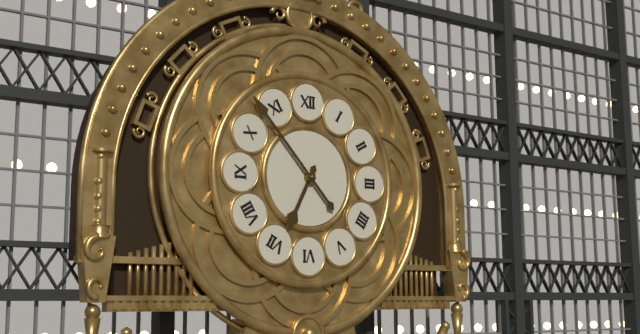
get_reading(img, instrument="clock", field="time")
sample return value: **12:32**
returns **6:53**
